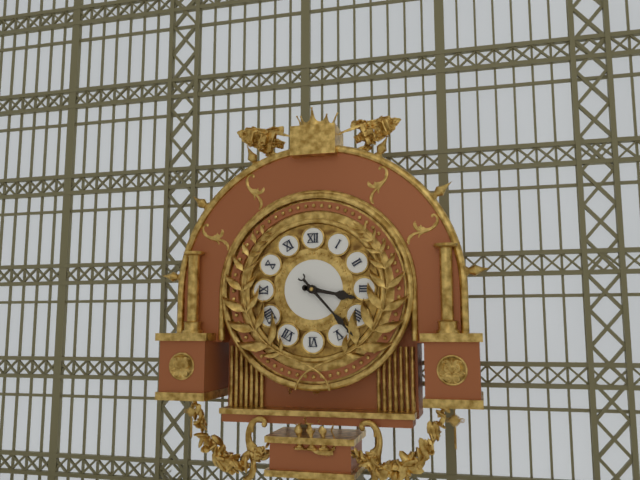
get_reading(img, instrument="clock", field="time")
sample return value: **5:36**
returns **3:23**
